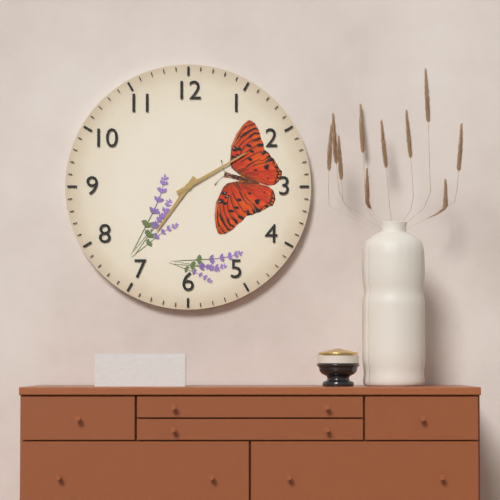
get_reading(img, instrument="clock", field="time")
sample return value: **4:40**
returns **7:10**
